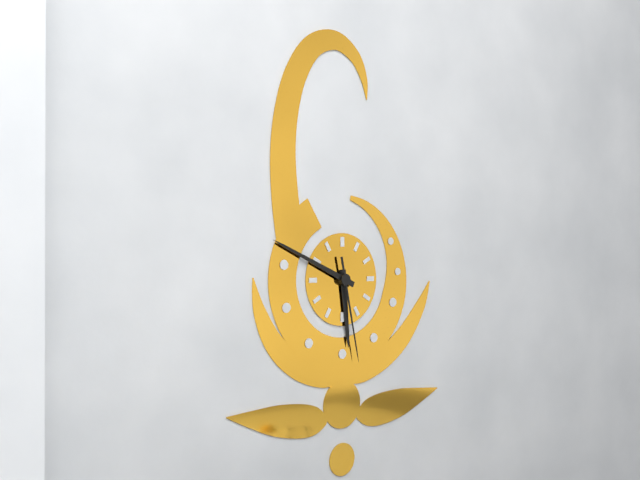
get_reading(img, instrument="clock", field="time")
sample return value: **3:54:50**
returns **5:49:28**
